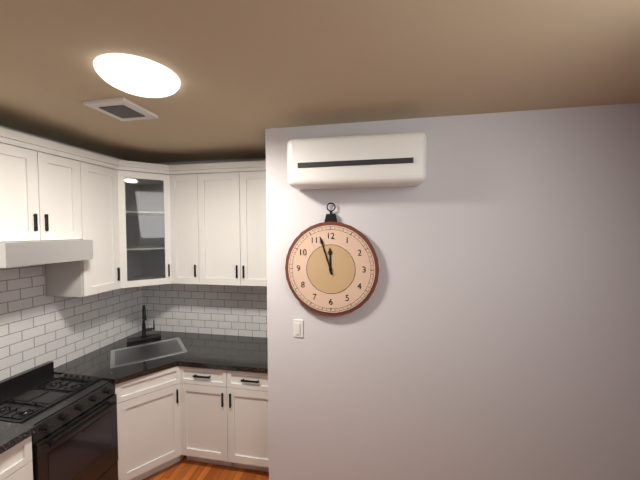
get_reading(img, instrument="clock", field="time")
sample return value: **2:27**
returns **11:57**
